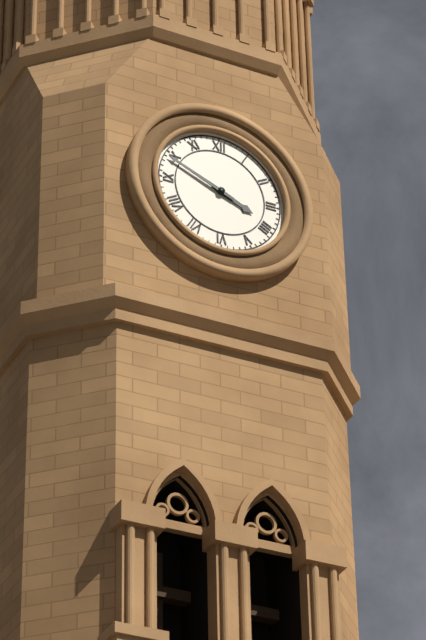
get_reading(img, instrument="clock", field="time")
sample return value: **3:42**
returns **3:49**
